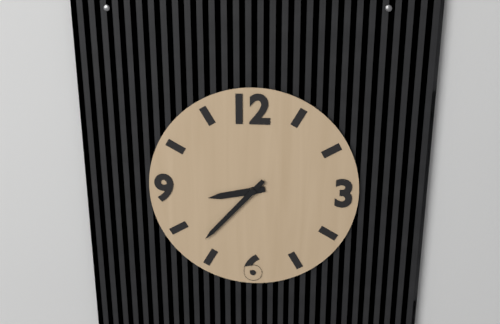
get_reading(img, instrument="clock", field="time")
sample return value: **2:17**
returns **8:37**
